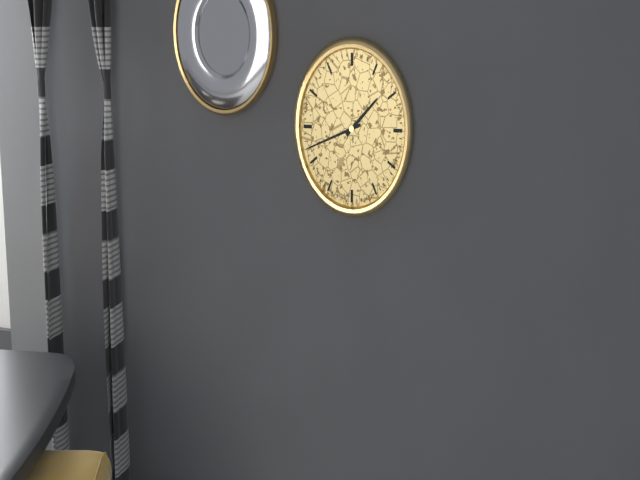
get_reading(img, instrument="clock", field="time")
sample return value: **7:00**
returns **1:42**
